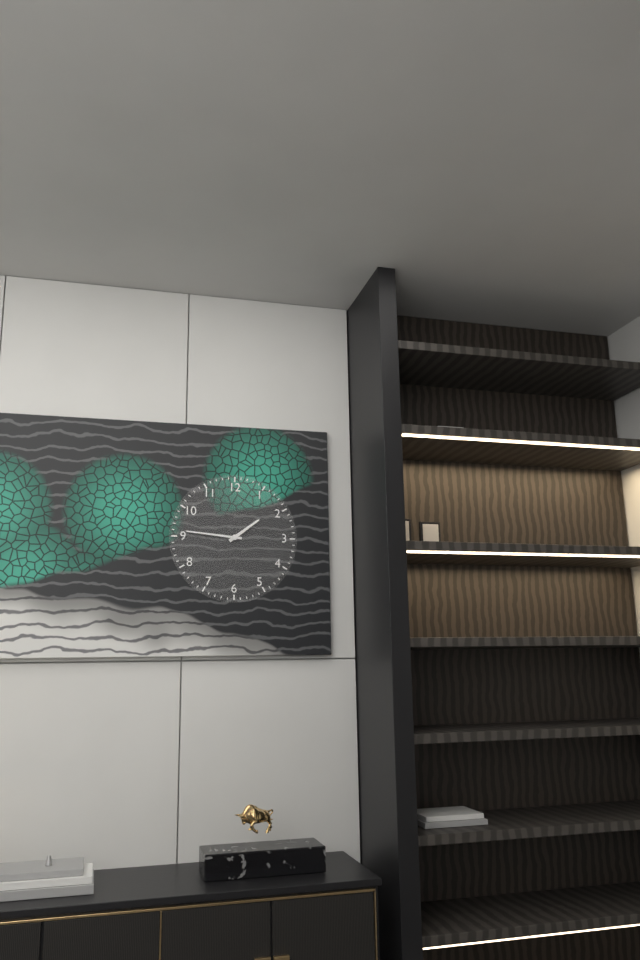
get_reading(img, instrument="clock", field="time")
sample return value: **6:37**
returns **1:46**
